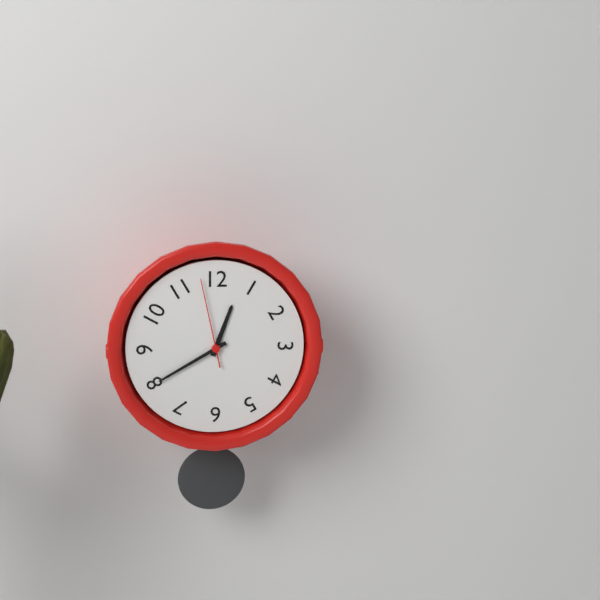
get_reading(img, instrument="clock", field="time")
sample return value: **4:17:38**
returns **12:40:58**
